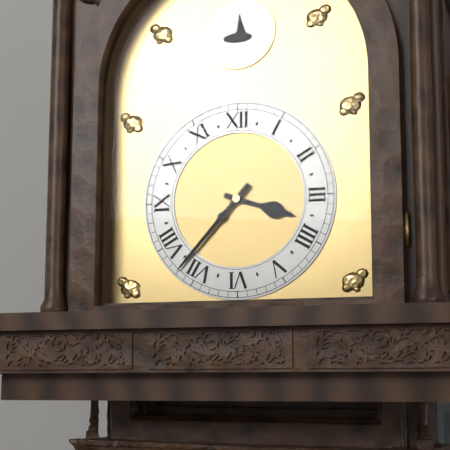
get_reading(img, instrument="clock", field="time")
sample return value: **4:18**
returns **3:37**
